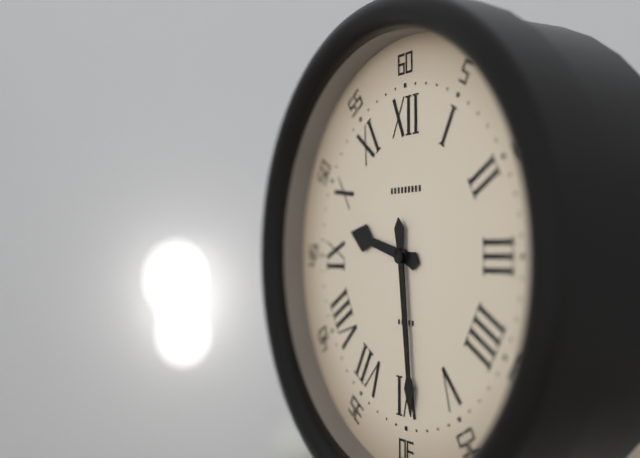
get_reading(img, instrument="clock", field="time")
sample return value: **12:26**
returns **9:29**
